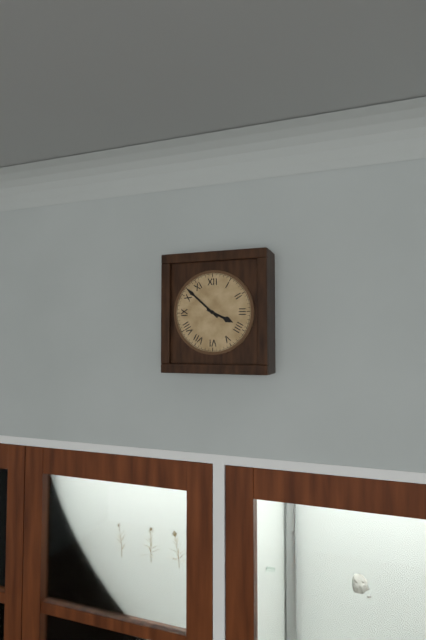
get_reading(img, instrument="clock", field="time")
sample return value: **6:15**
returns **3:52**
